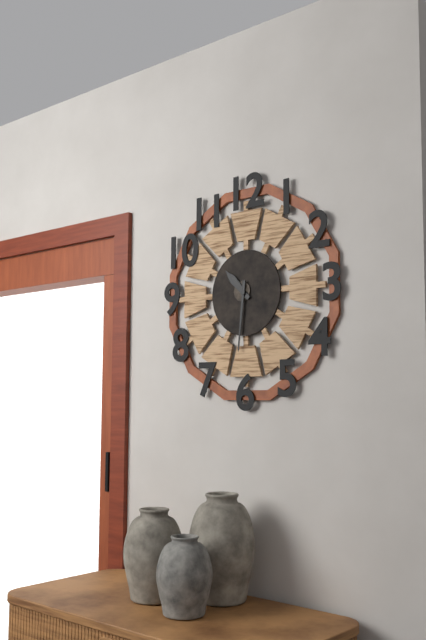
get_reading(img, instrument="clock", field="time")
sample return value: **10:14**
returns **10:31**
